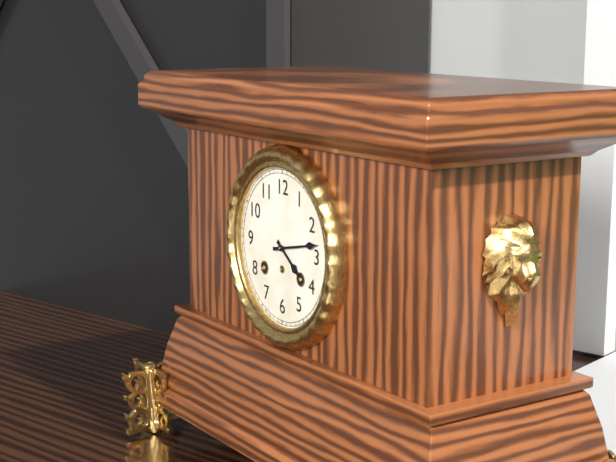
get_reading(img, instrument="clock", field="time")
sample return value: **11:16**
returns **4:13**
